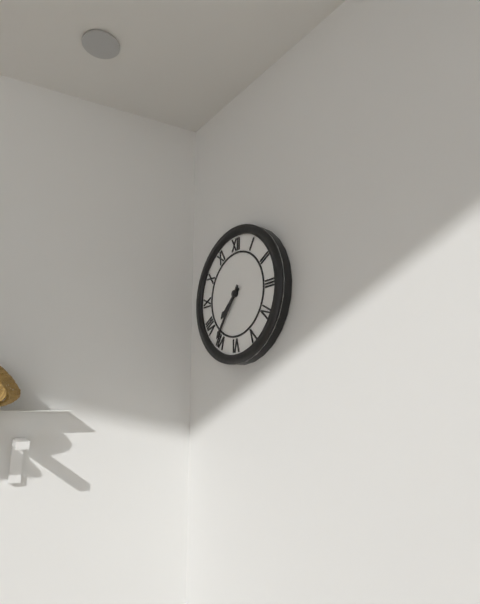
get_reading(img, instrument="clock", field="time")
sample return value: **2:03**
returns **7:36**
